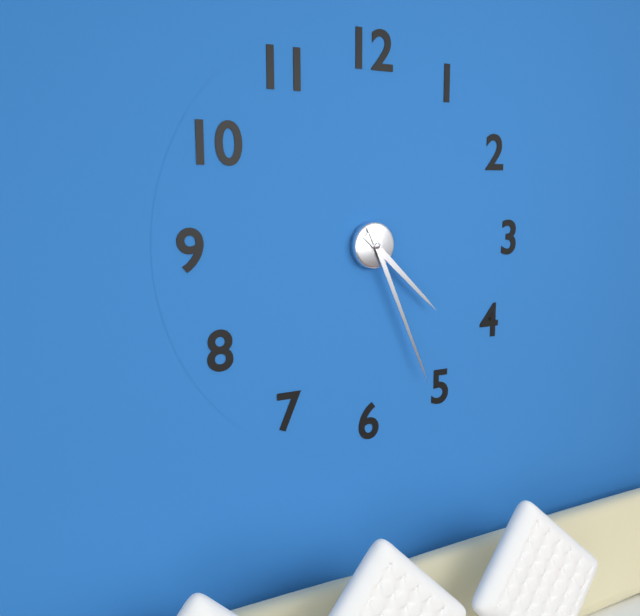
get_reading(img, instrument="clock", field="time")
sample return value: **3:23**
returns **4:26**
